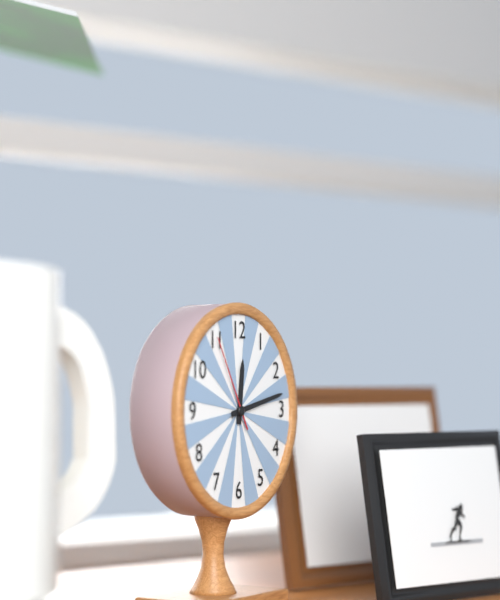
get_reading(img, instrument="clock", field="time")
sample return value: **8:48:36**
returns **12:13:55**
